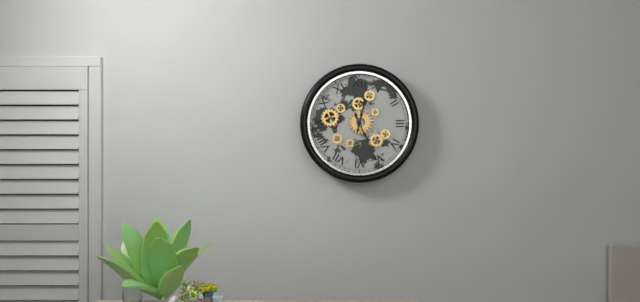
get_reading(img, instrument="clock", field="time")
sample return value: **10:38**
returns **12:26**
